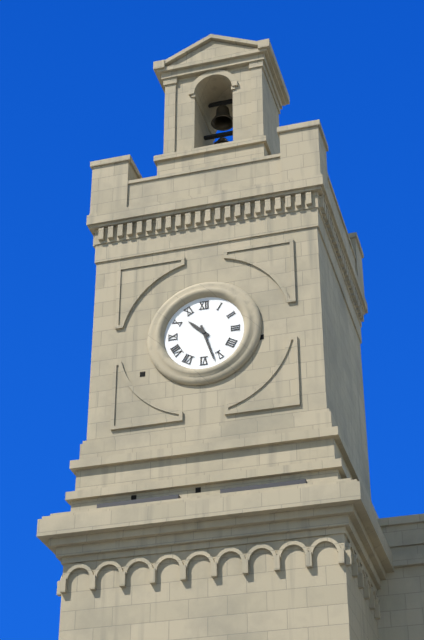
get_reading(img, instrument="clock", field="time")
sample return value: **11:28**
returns **10:27**
